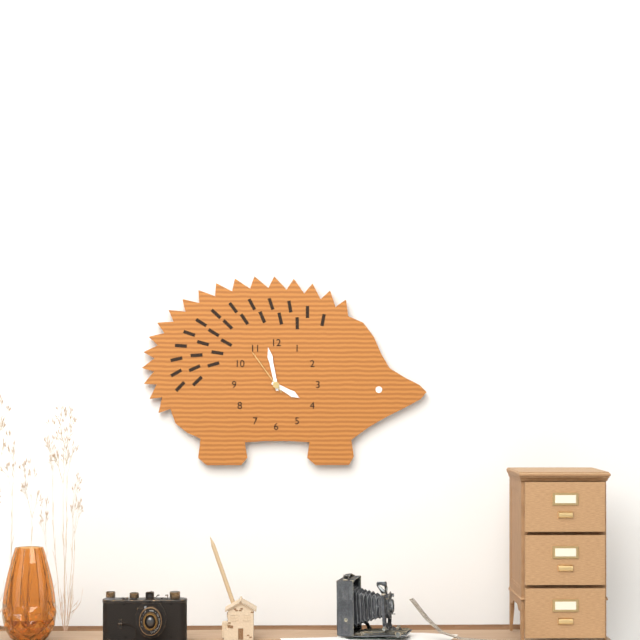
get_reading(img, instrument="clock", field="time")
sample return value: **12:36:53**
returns **3:58:54**
